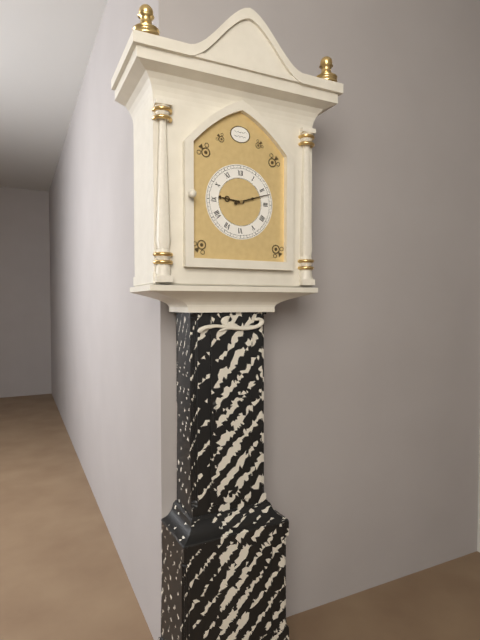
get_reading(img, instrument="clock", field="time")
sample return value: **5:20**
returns **9:12**
